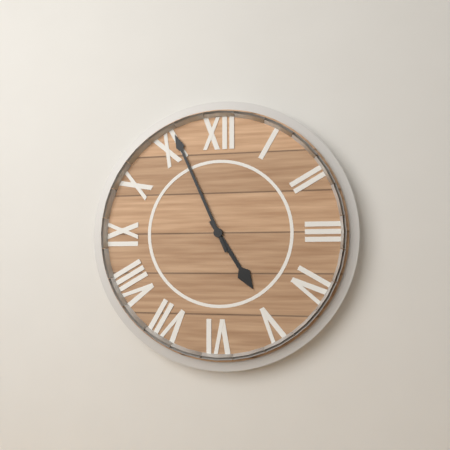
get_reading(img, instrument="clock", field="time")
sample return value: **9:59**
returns **4:56**
